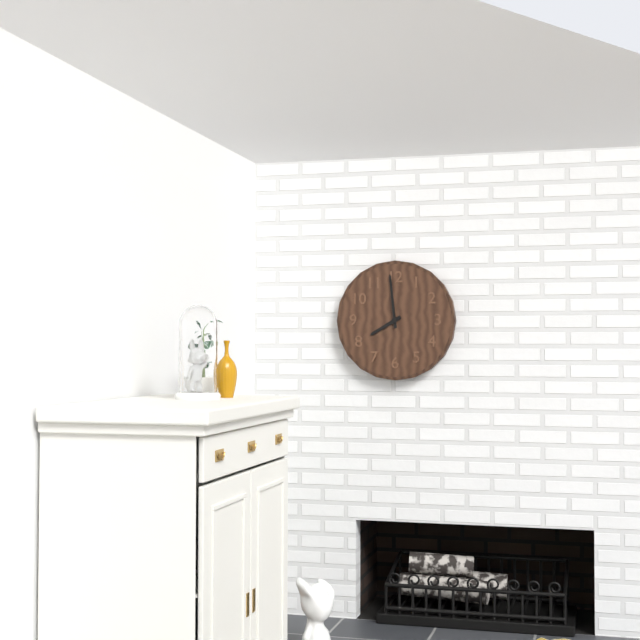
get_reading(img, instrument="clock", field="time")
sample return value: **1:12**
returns **7:59**
